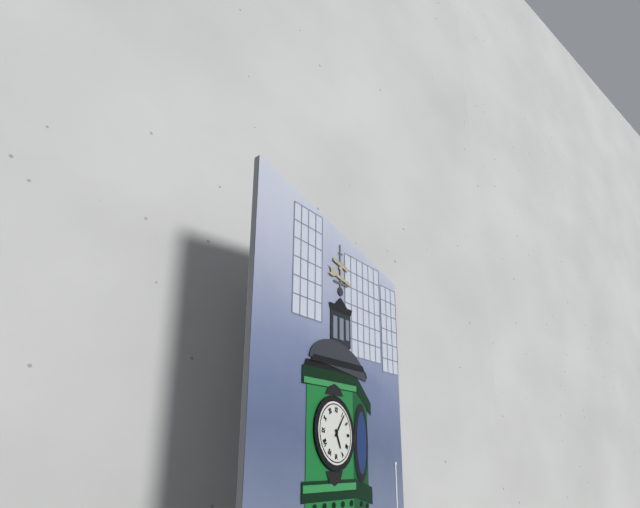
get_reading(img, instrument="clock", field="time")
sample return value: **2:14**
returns **5:06**
